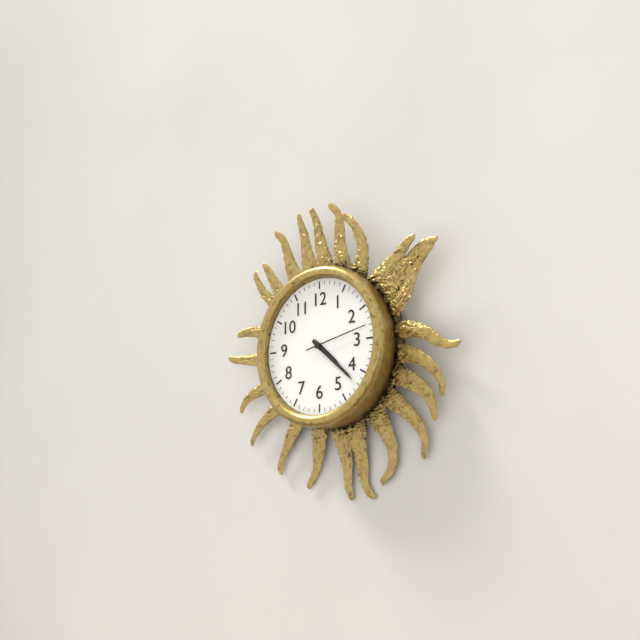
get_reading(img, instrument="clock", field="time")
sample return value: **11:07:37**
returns **4:22:13**
